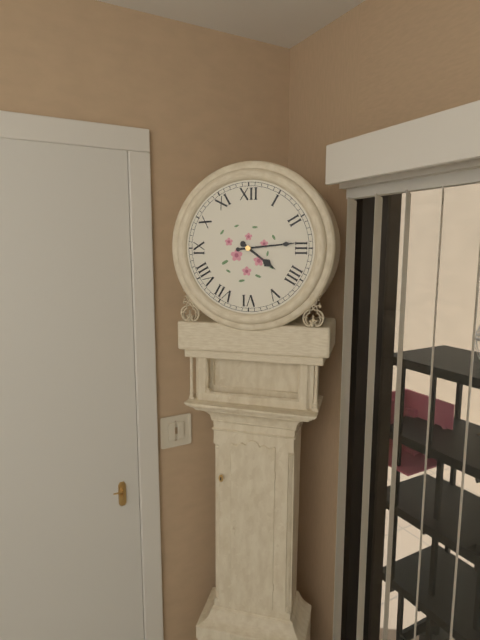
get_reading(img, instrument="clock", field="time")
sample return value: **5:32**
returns **4:14**
